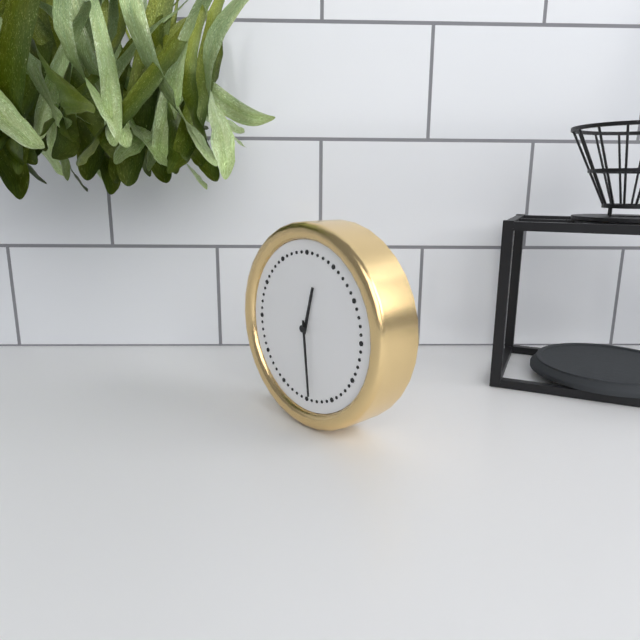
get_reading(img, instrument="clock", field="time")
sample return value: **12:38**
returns **12:29**
